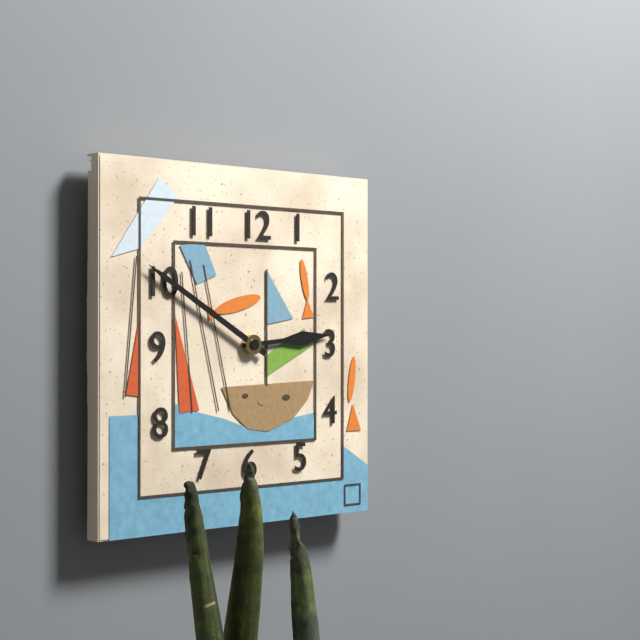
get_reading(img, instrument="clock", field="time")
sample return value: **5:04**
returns **2:50**
